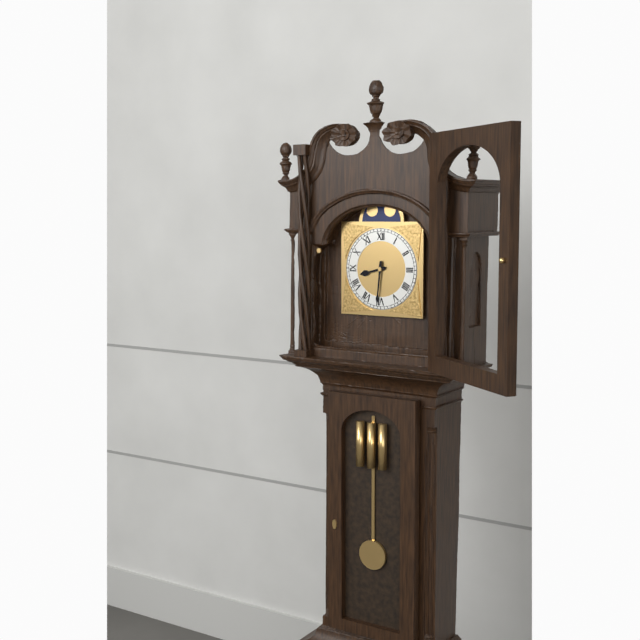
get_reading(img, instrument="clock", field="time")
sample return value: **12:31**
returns **8:31**
